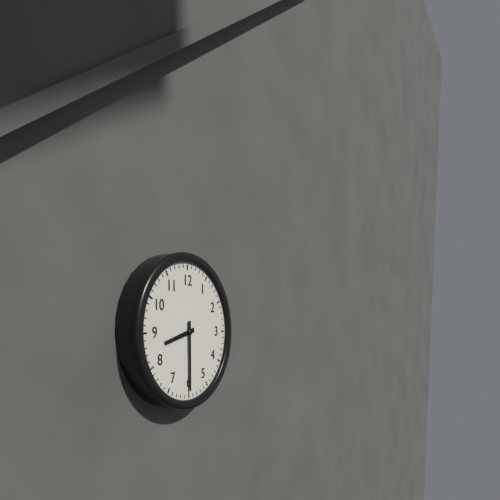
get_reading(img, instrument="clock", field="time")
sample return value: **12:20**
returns **8:30**
